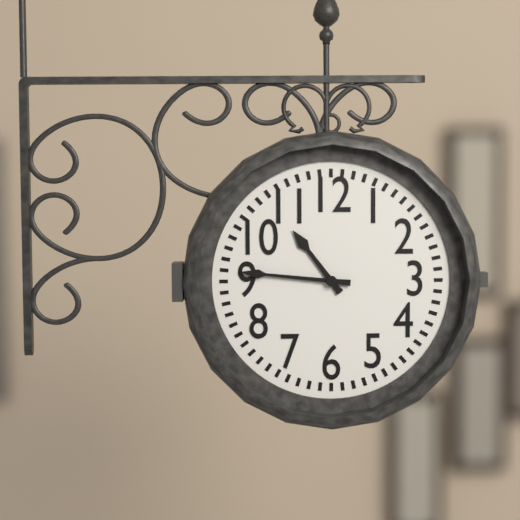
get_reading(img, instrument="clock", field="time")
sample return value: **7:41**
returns **10:46**
